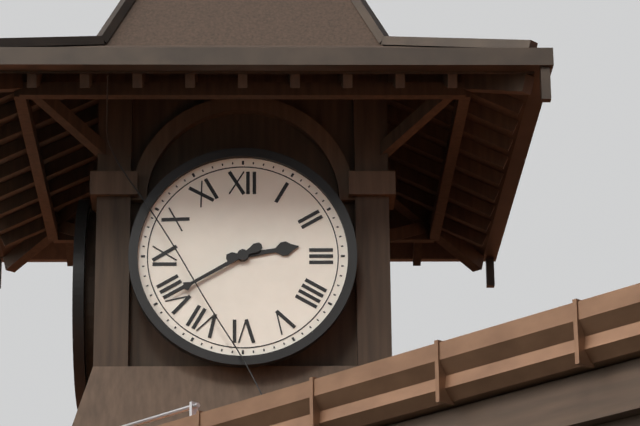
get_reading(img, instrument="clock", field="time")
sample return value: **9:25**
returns **2:40**
